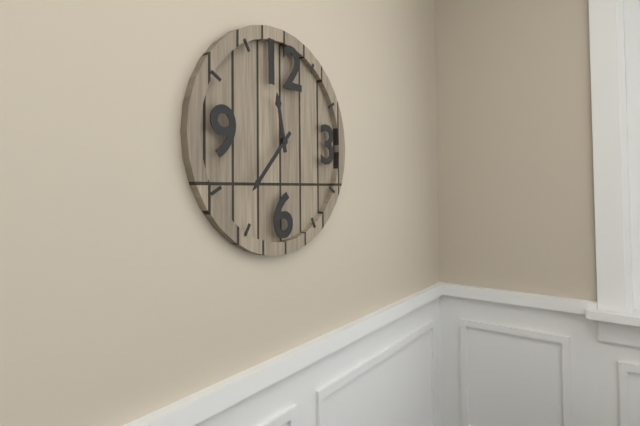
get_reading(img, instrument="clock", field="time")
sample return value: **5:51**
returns **11:37**
